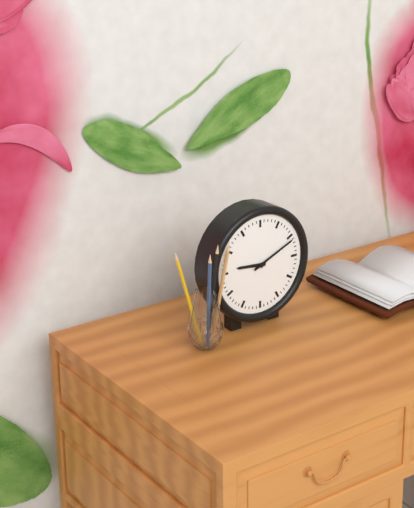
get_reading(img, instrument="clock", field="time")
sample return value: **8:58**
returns **9:11**
